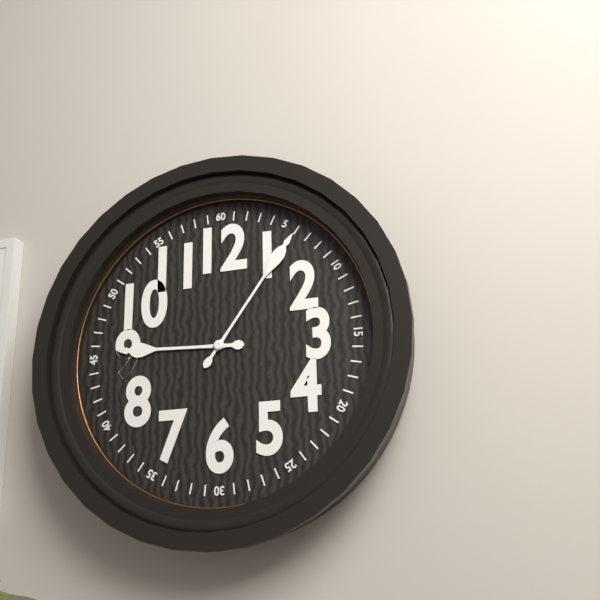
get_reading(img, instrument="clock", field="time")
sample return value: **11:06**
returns **9:06**
